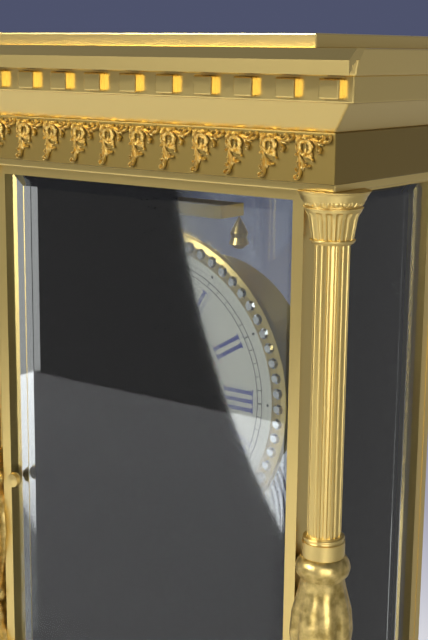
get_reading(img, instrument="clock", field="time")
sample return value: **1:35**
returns **10:37**
